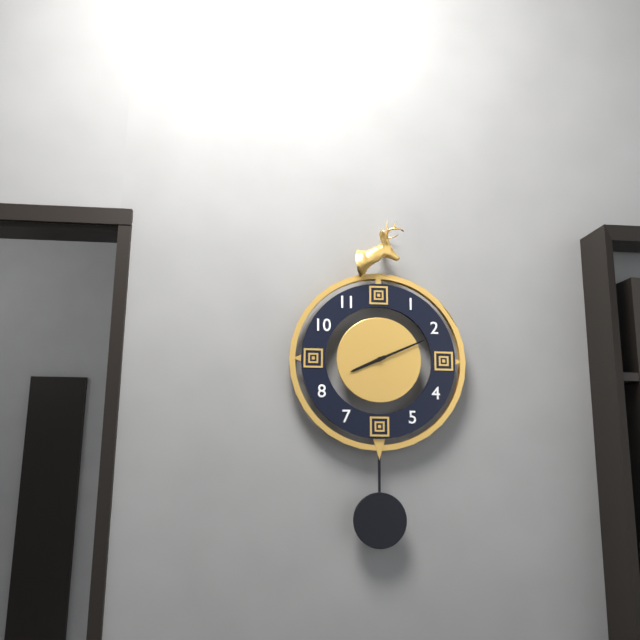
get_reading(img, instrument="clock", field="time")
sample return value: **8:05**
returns **8:11**
